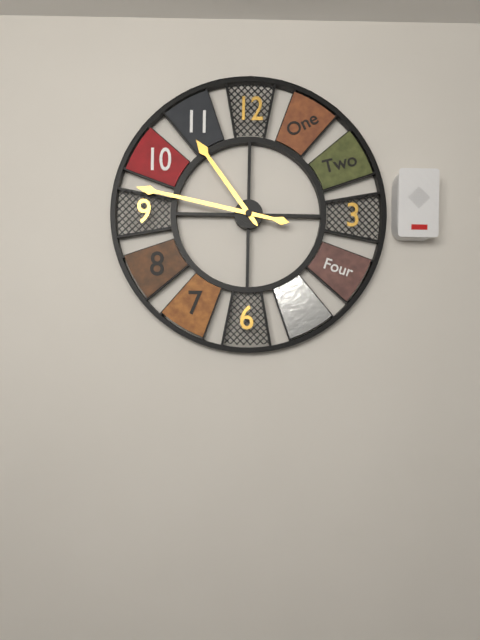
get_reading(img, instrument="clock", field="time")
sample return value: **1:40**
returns **10:47**
